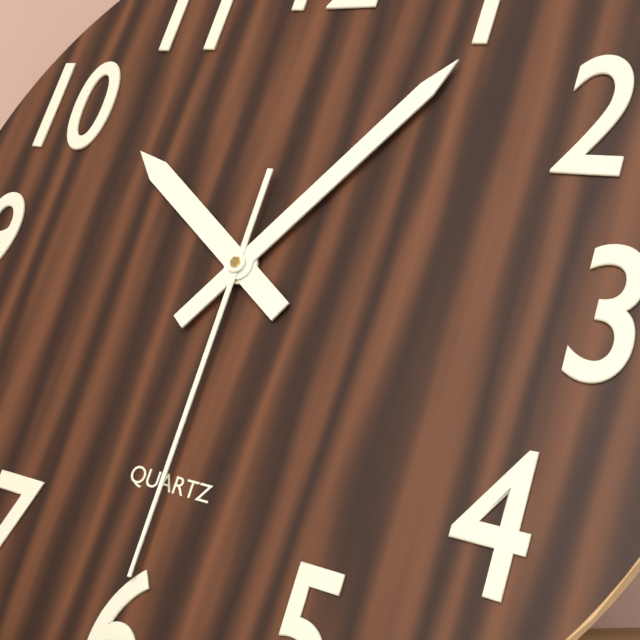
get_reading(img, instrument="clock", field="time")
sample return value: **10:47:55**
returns **10:06:30**
